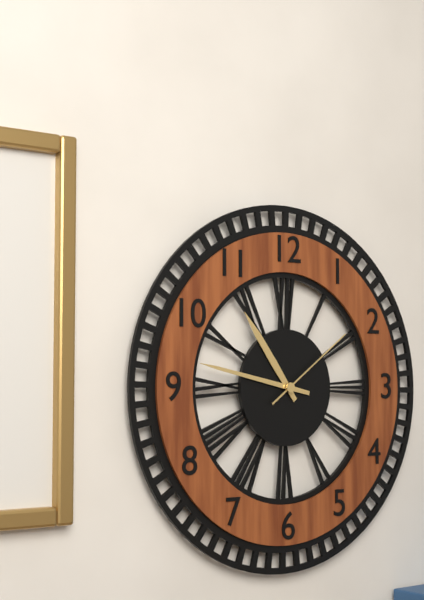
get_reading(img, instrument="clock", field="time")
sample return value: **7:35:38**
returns **10:47:09**
